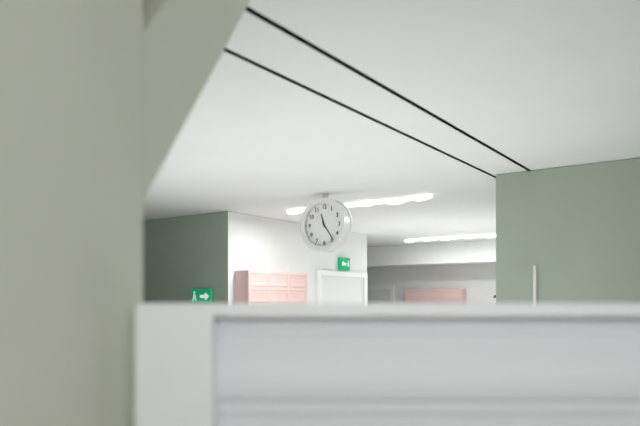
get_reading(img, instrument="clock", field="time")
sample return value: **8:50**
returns **11:24**
